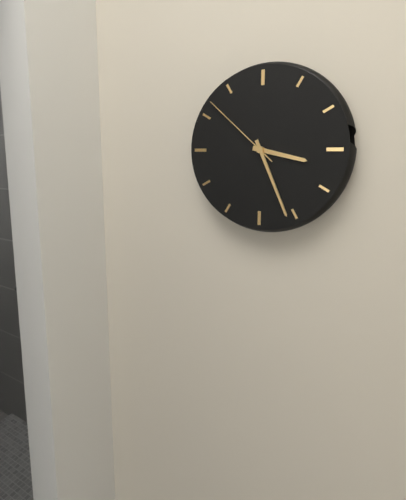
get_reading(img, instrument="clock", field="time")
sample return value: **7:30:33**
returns **3:26:52**
